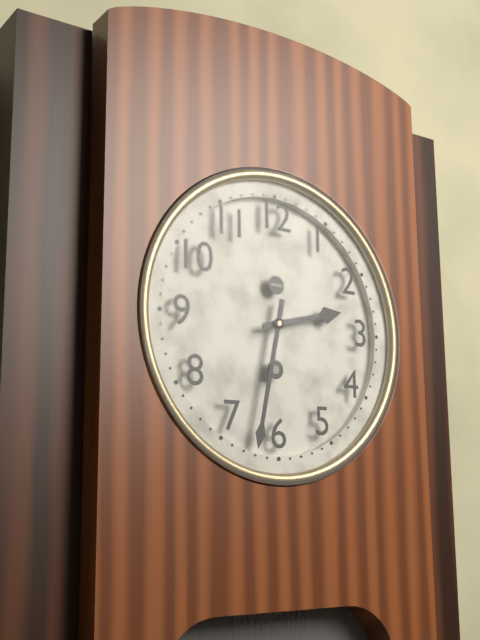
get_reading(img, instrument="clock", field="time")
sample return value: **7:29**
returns **2:32**
